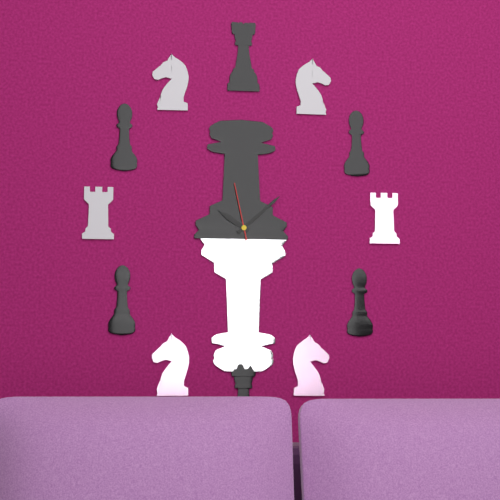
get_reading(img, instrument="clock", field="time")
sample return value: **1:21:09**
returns **10:08:58**
